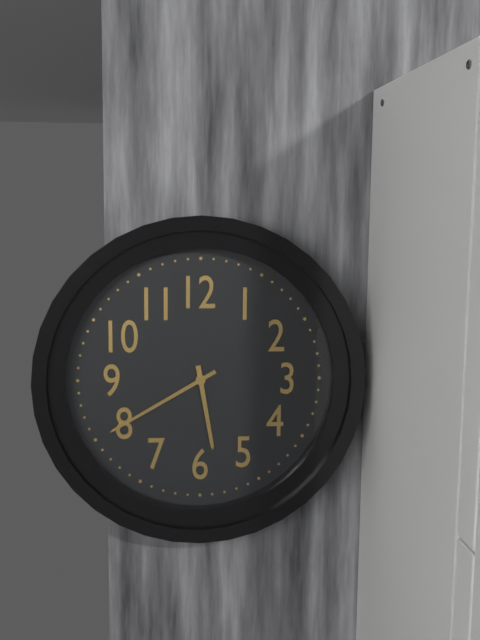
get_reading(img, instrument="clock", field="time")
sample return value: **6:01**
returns **5:40**
